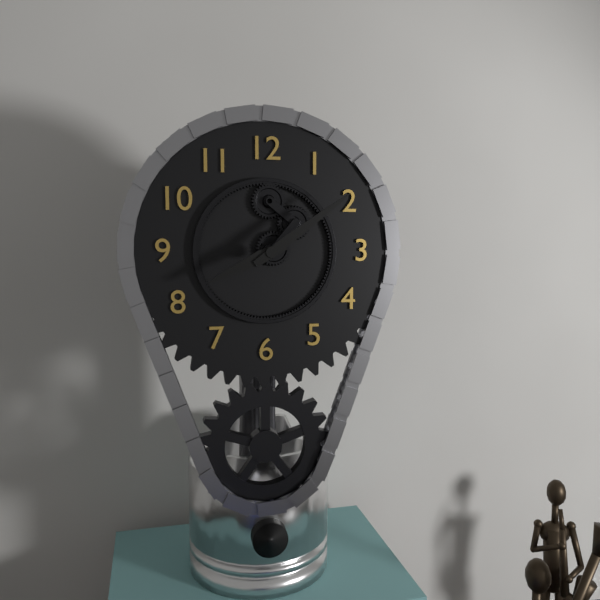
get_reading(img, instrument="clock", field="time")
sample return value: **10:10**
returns **8:09**
